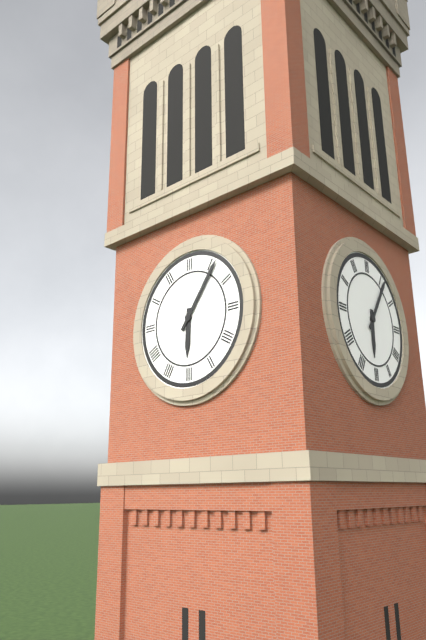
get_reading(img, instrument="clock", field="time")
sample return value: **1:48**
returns **6:06**
